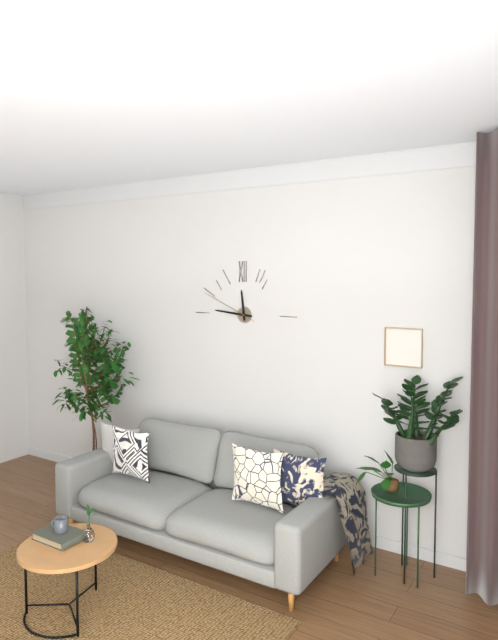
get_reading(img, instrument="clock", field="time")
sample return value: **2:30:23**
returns **11:46:49**
